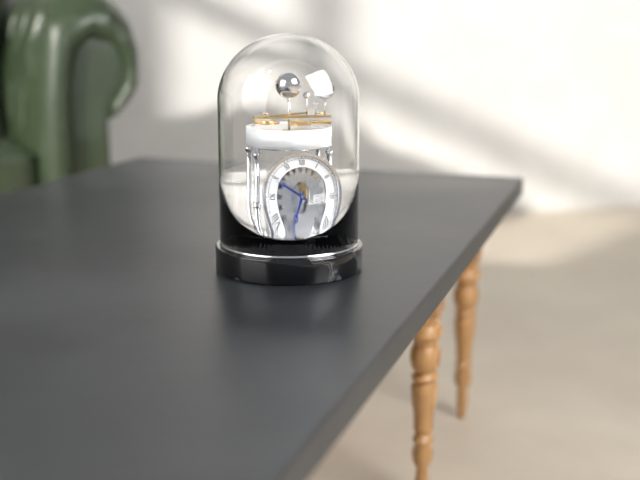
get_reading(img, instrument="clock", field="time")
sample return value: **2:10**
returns **6:49**
